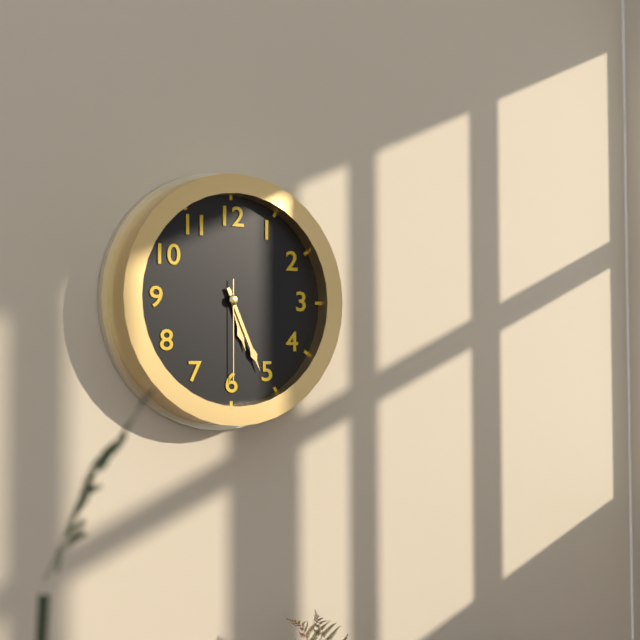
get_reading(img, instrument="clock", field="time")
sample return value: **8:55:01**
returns **5:26:30**
